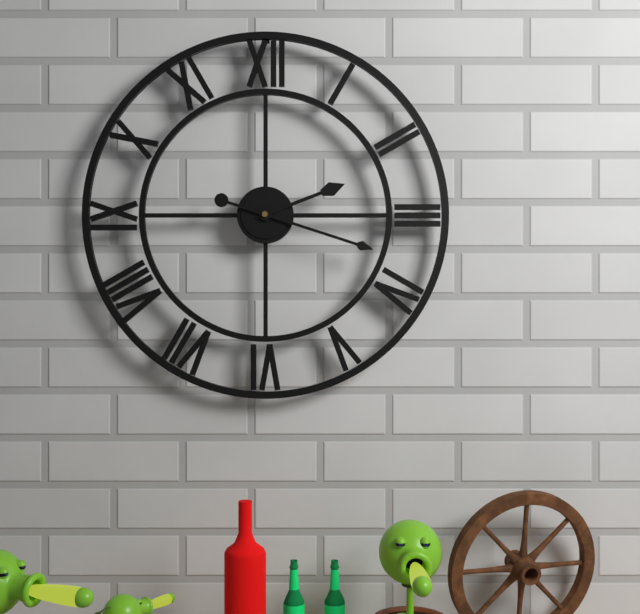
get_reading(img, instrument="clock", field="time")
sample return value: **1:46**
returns **2:18**
